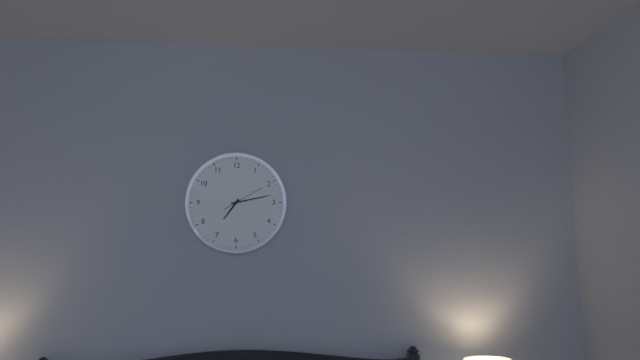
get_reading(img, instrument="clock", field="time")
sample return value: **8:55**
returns **7:13**
